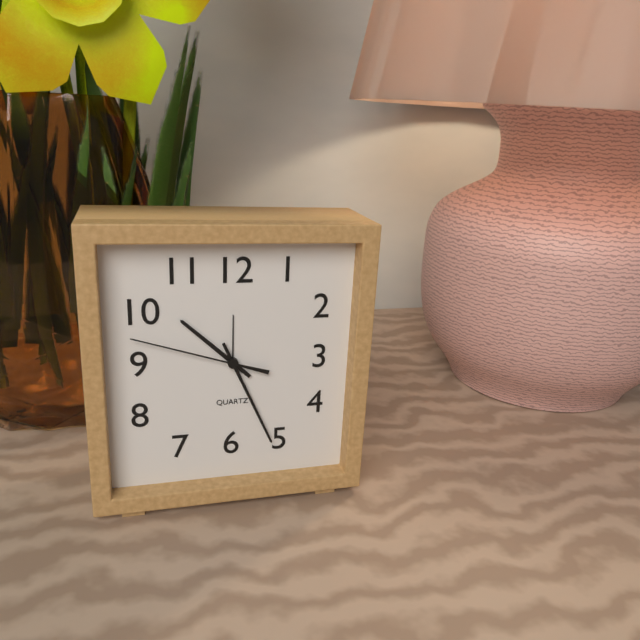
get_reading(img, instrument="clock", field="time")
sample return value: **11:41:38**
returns **10:26:48**
